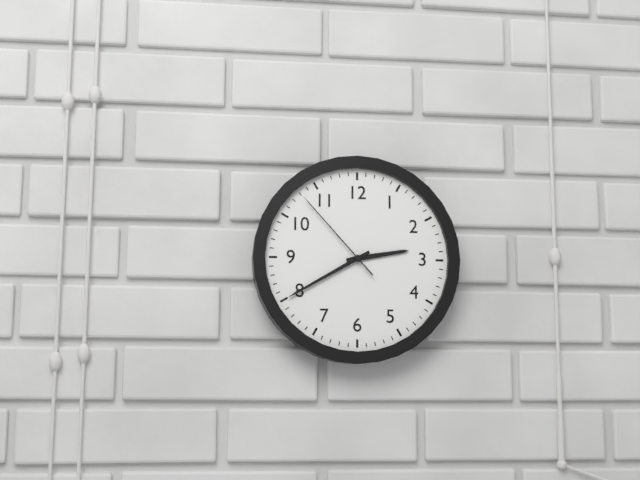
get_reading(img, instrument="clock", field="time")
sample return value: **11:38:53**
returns **2:40:53**
